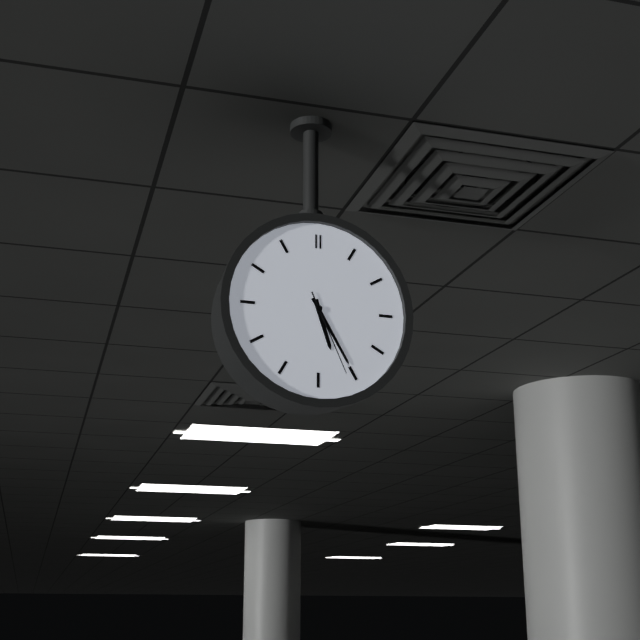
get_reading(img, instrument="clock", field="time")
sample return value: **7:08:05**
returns **5:25:26**
